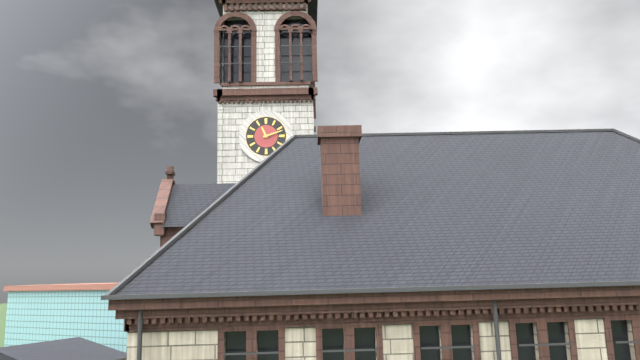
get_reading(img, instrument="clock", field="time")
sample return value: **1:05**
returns **11:12**
